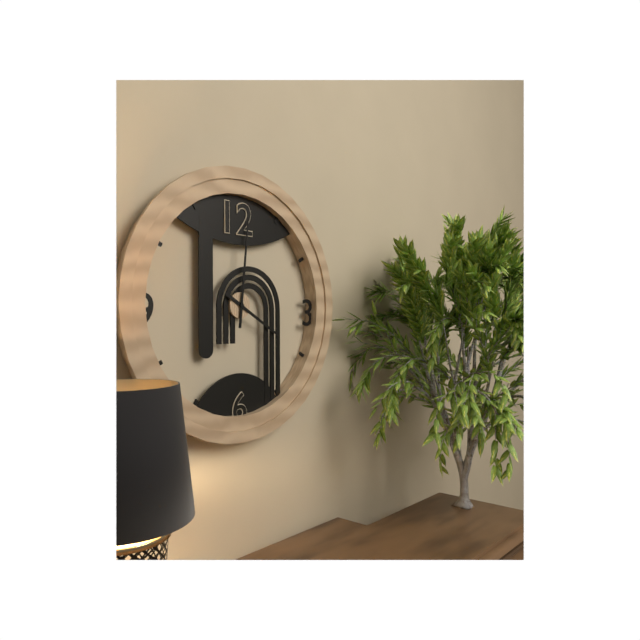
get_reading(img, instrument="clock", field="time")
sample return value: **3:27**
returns **4:01**
